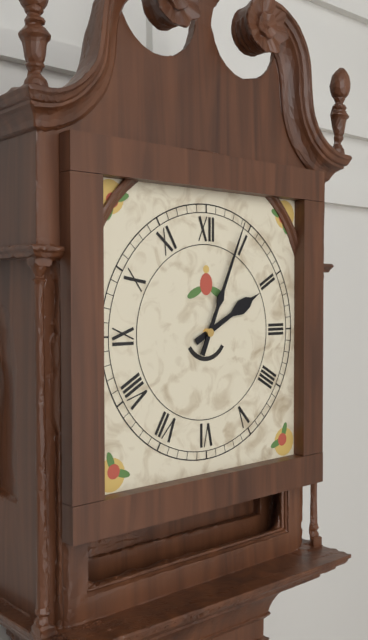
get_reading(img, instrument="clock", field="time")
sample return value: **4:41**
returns **2:04**
